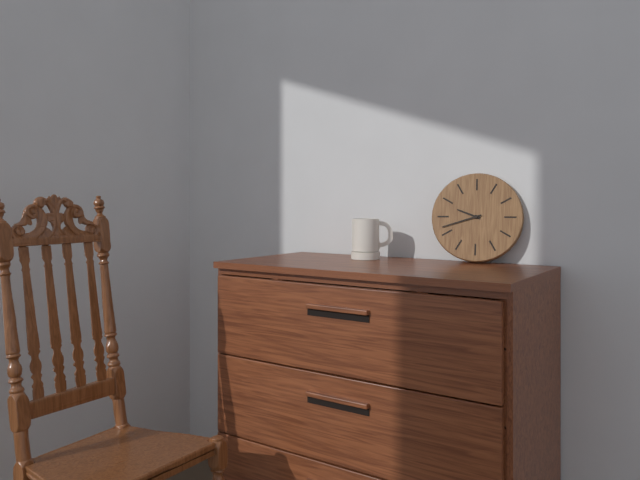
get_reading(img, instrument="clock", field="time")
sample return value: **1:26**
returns **9:42**
